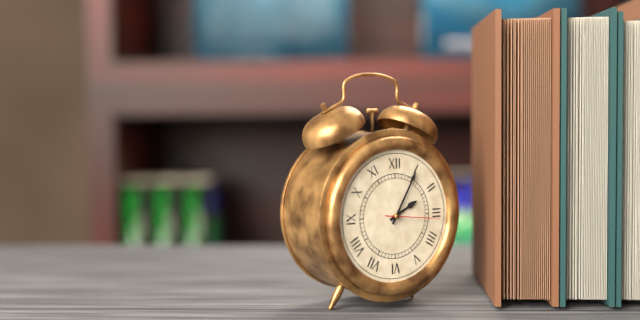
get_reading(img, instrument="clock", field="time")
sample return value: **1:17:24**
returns **2:05:16**
